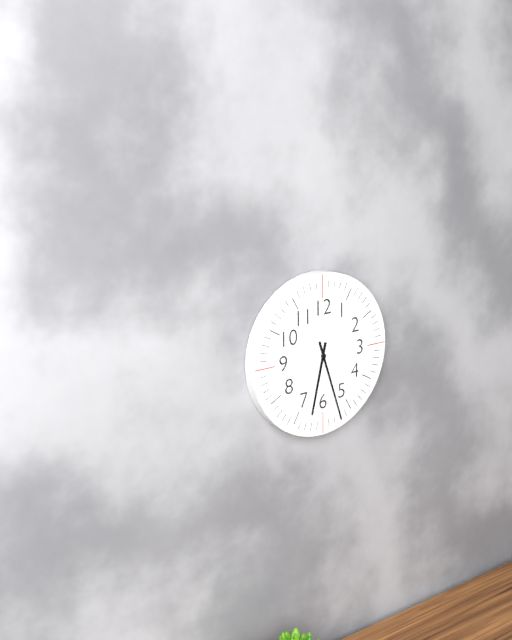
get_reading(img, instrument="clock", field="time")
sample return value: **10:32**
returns **6:27**
